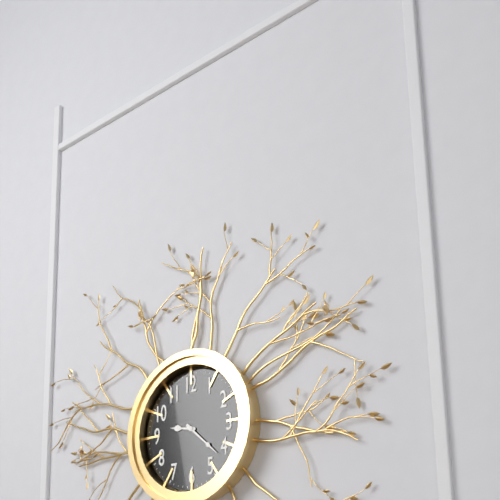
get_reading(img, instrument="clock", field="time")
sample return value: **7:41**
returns **9:22**
